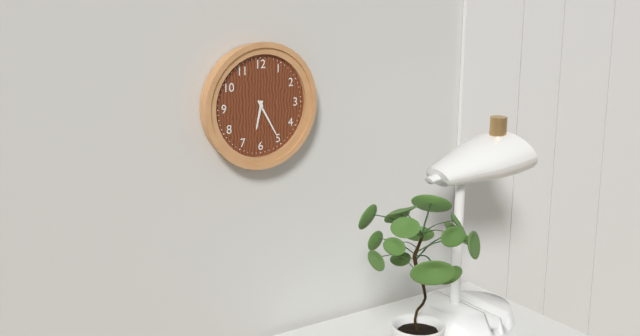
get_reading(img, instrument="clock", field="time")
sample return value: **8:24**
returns **6:25**
